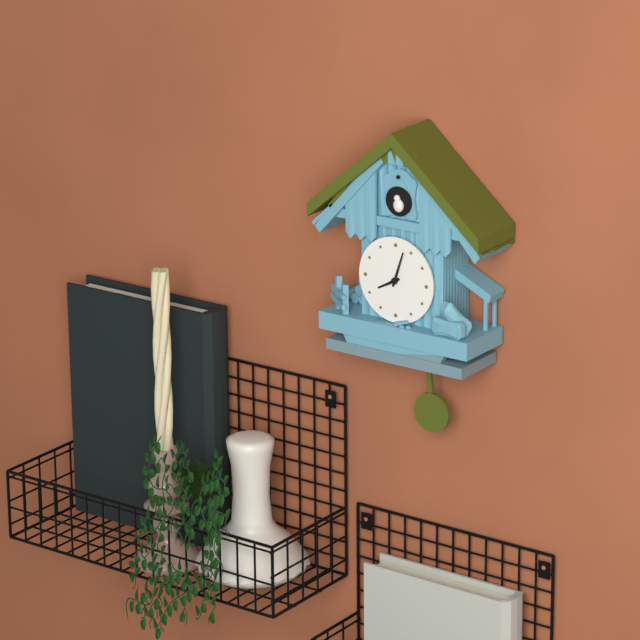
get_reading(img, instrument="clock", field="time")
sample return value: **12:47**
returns **8:03**
